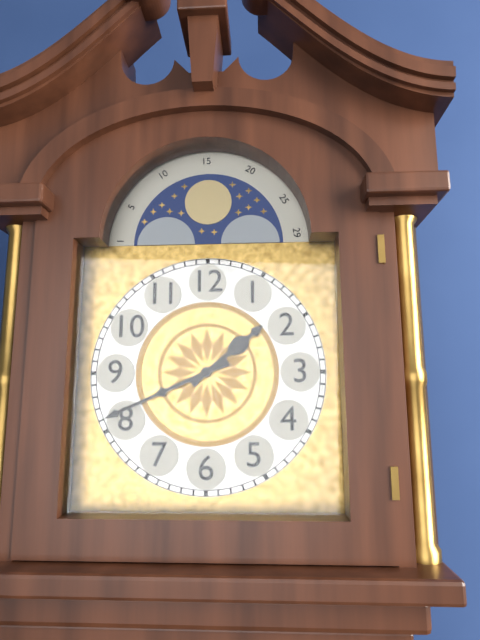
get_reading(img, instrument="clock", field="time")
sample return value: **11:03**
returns **1:41**
